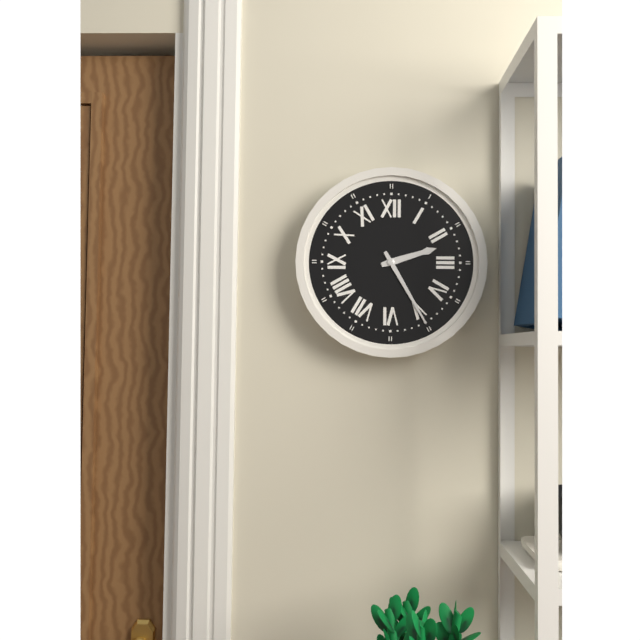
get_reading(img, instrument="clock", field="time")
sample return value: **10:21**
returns **2:25**
